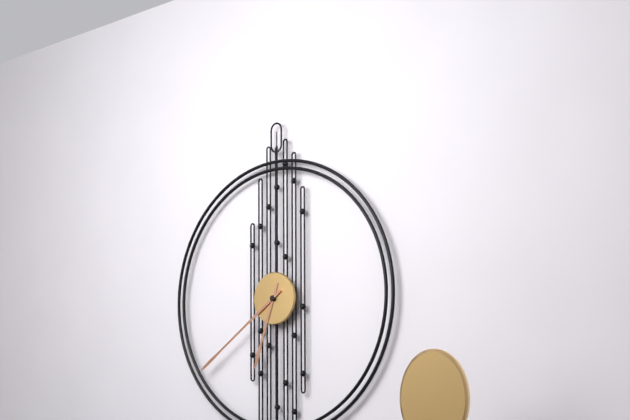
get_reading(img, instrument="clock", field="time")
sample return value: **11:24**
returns **6:39**
